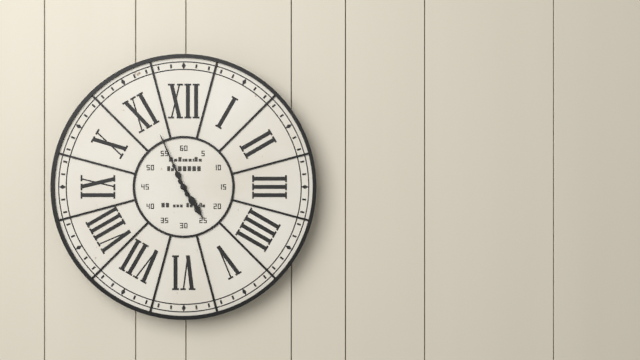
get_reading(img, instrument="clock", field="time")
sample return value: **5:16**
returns **4:56**
